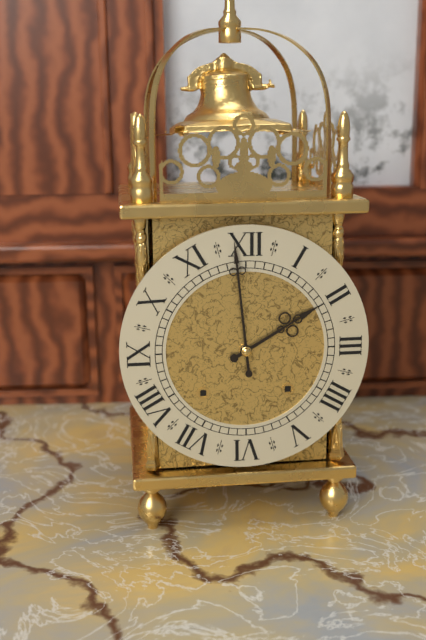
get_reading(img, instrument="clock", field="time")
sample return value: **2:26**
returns **1:59**
